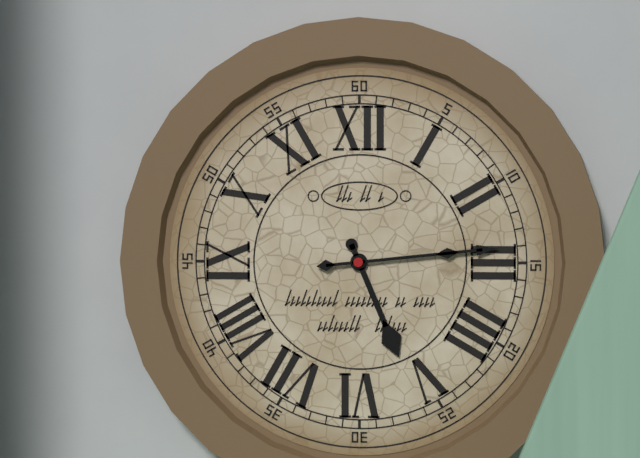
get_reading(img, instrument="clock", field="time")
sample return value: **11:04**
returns **5:14**
